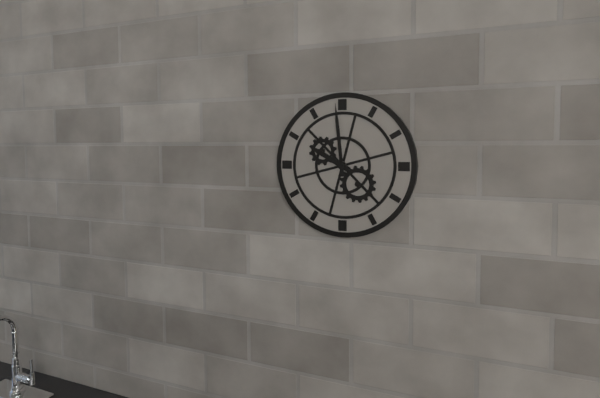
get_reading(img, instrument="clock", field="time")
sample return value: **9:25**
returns **9:59**
